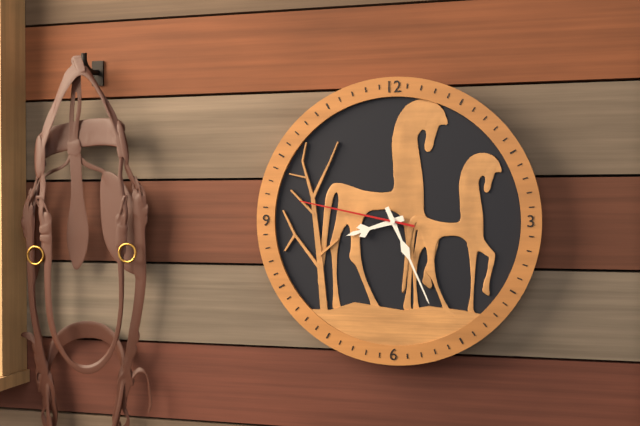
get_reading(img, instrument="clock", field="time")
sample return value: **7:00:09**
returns **8:26:47**
